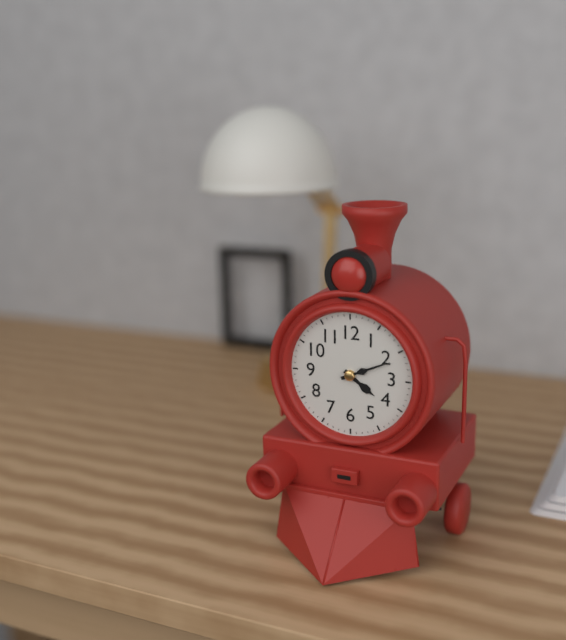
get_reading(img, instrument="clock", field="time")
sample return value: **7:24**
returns **4:11**
